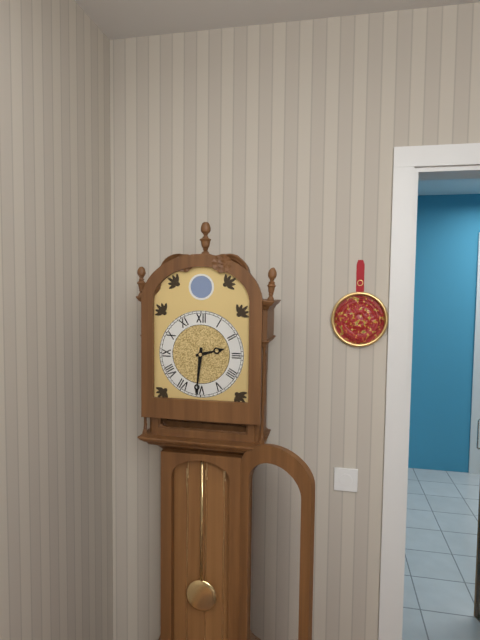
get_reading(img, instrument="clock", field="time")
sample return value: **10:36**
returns **2:31**
